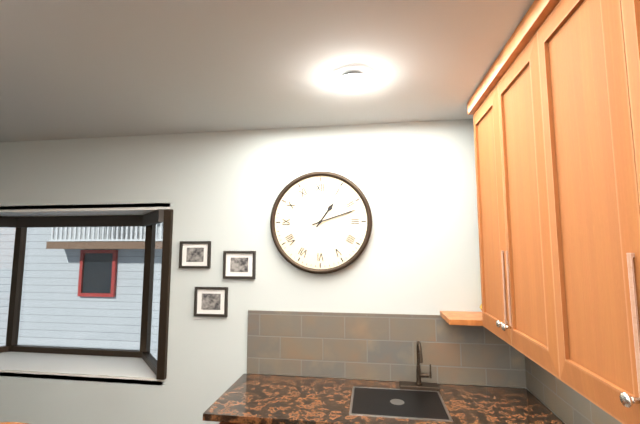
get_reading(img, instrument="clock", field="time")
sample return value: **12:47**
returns **1:12**
